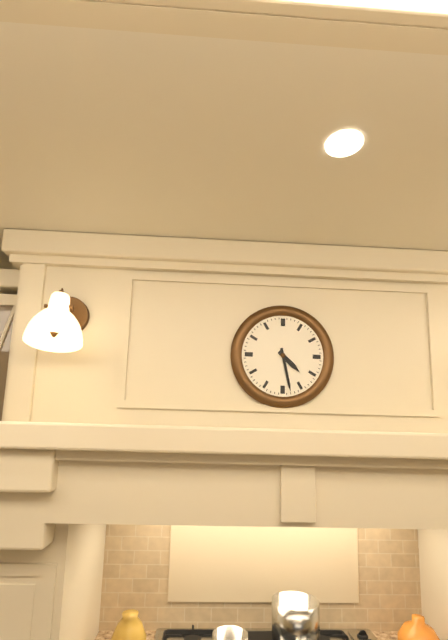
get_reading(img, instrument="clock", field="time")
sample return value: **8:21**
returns **4:28**
